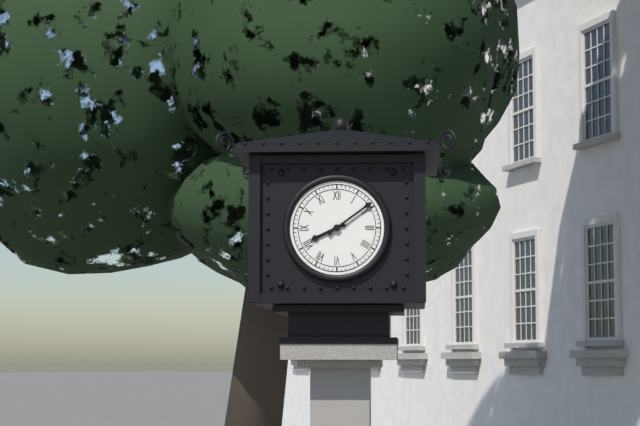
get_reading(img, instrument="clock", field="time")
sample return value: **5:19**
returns **8:09**
